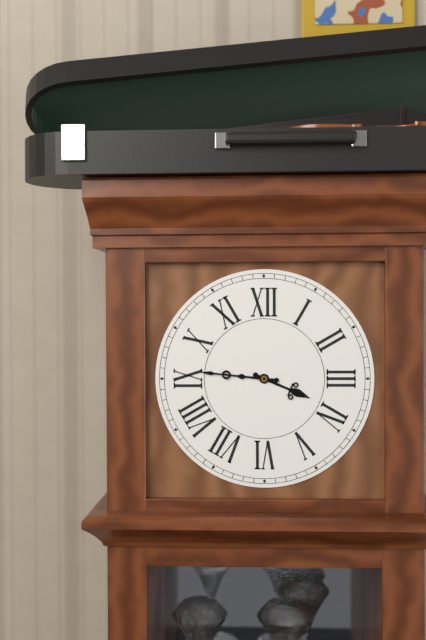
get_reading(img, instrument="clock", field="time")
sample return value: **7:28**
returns **3:46**
